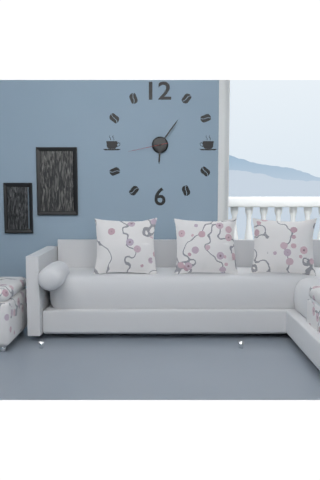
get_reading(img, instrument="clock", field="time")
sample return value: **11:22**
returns **6:06**
